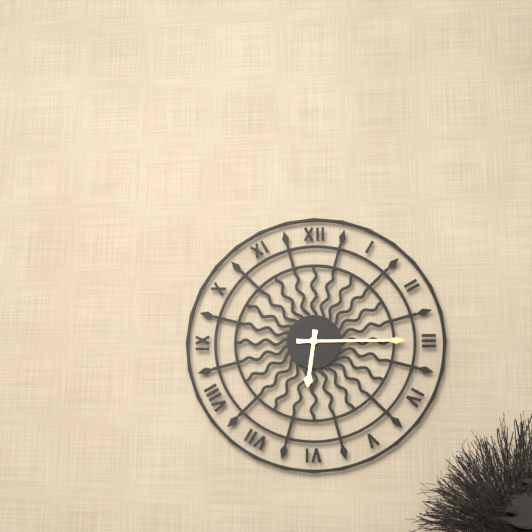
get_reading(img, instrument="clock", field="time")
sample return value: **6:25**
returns **6:15**
